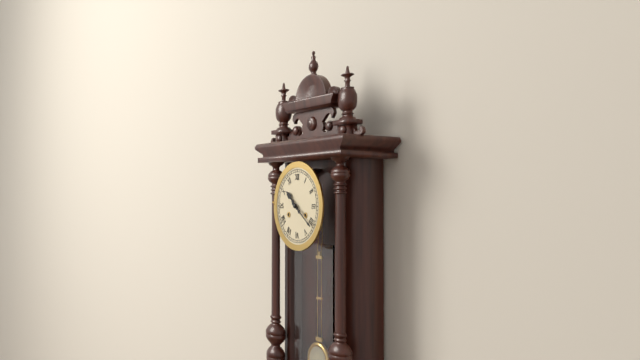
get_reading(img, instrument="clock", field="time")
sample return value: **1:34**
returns **10:21**
